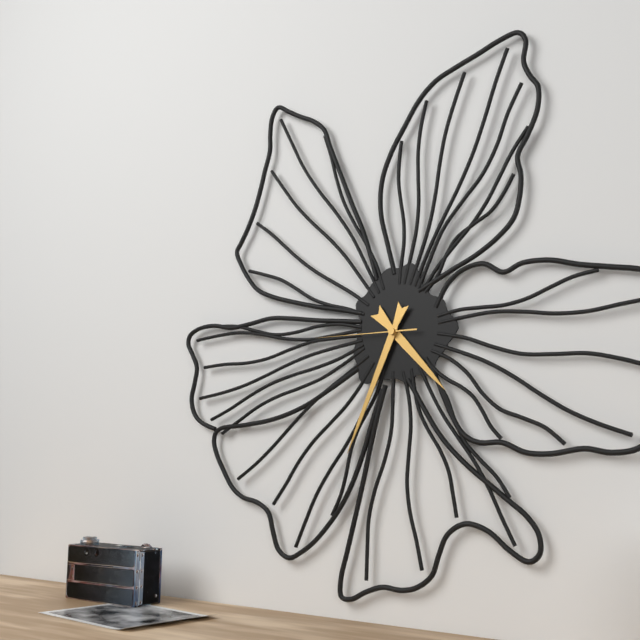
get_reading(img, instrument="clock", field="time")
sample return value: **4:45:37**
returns **4:34:45**
